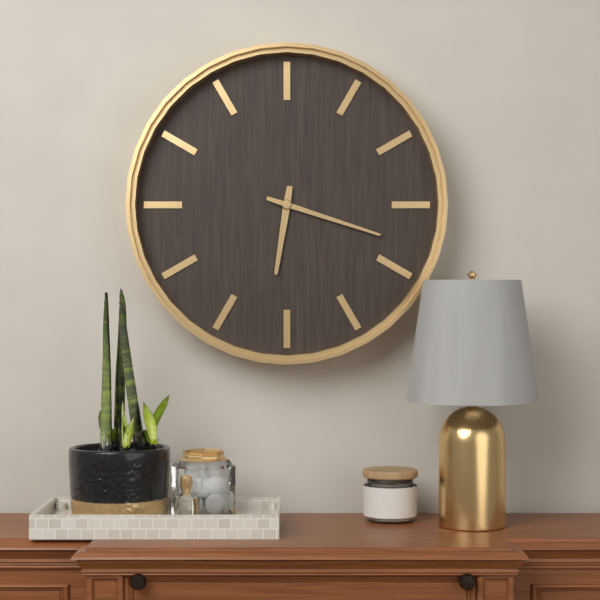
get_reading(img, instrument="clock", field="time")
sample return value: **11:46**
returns **6:18**
